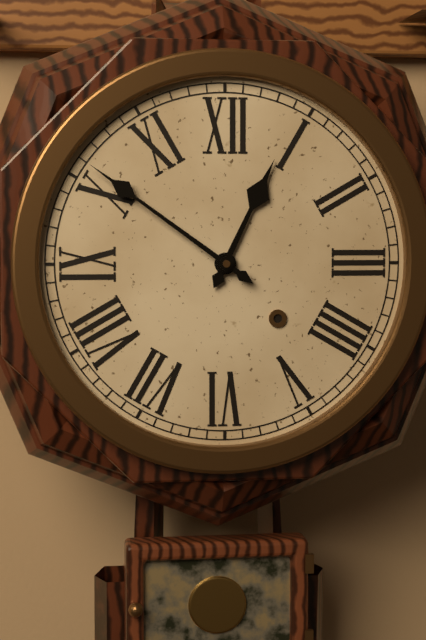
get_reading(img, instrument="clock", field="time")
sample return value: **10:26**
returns **12:51**
